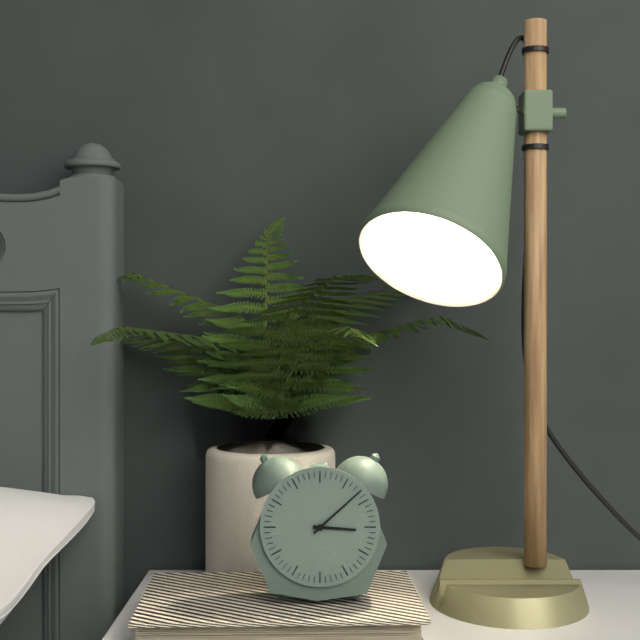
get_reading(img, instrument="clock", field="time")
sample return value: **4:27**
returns **3:08**
